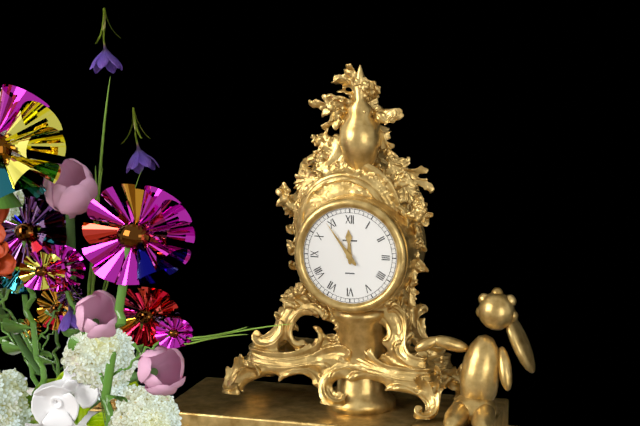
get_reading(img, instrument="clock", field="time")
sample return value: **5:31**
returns **11:54**
